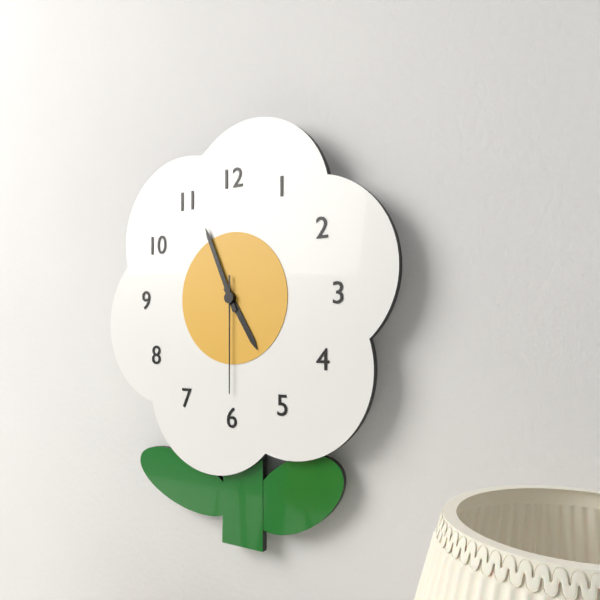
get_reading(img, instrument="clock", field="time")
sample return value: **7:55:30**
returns **4:56:30**
